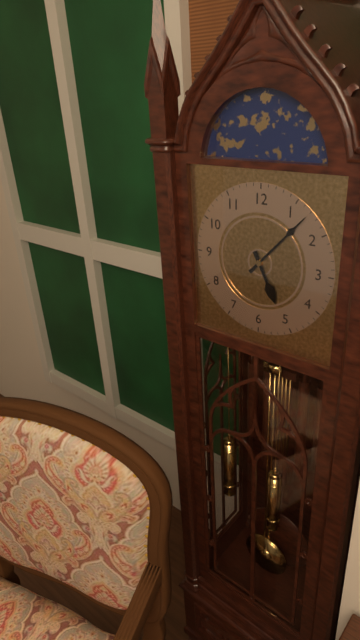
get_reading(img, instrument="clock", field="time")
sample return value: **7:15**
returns **5:07**
